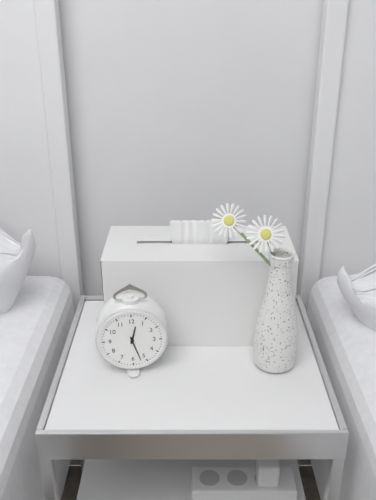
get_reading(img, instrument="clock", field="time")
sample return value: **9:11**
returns **12:27**
